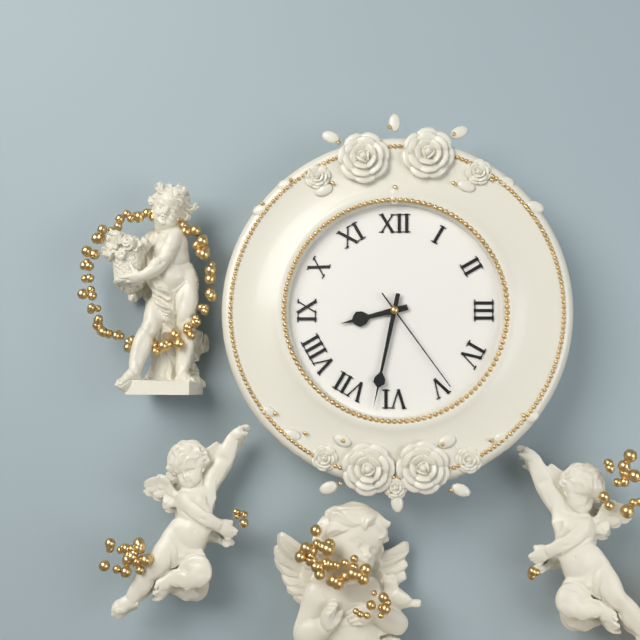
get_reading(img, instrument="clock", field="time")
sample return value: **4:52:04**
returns **8:32:24**
